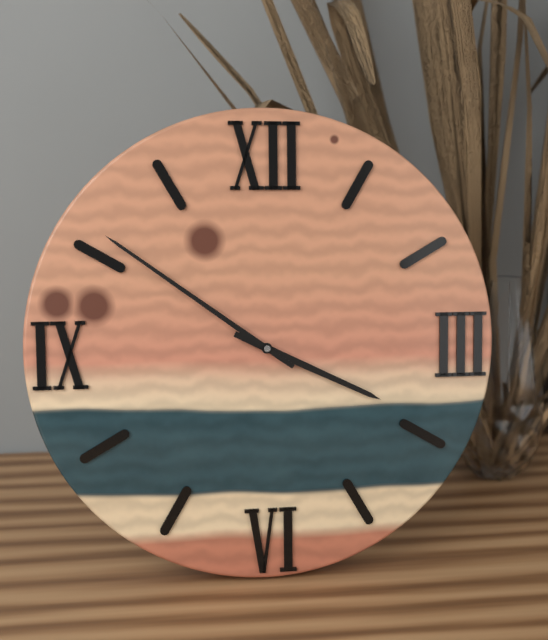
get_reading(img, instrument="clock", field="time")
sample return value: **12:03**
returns **3:51**
